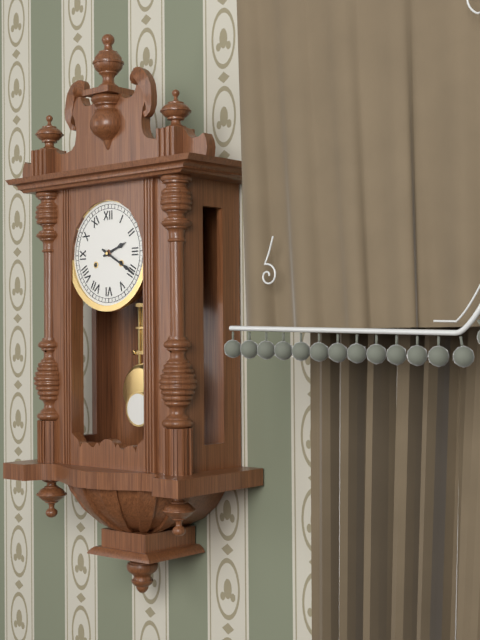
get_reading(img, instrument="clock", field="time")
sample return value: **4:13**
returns **2:20**
